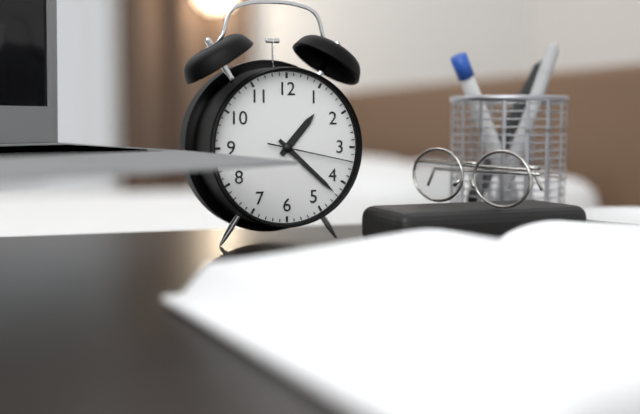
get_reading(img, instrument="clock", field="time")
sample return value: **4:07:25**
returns **1:22:17**
